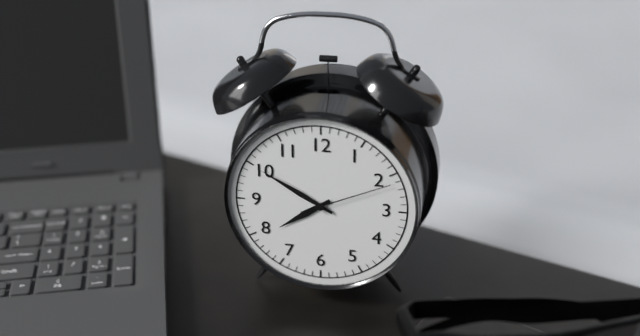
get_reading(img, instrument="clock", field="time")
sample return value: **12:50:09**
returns **7:50:11**
